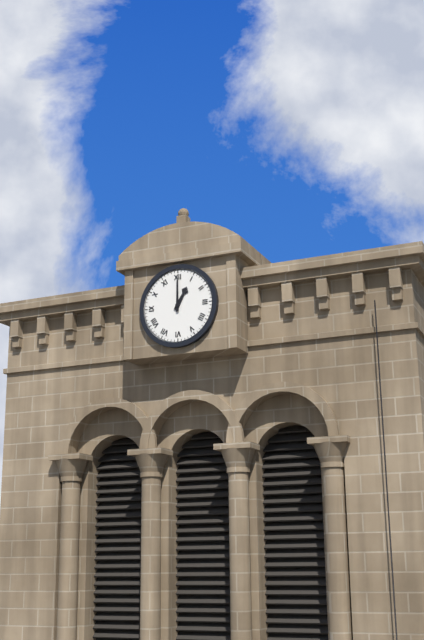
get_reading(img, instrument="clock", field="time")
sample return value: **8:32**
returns **1:00**
